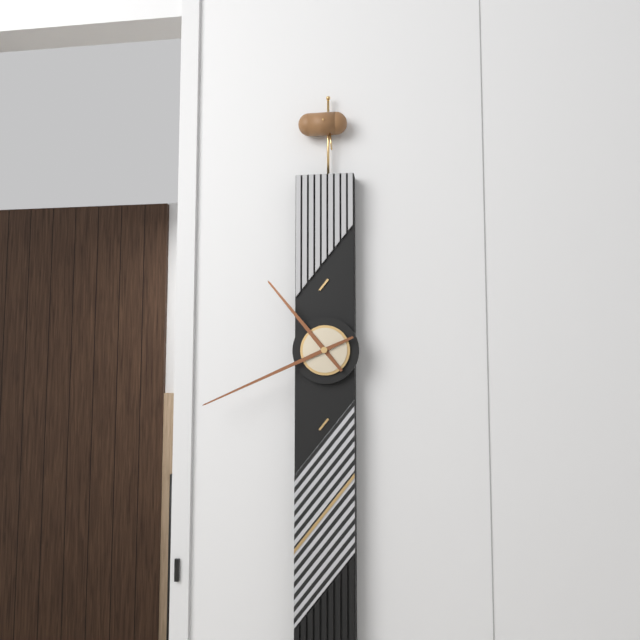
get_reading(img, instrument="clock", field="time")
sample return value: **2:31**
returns **10:41**
